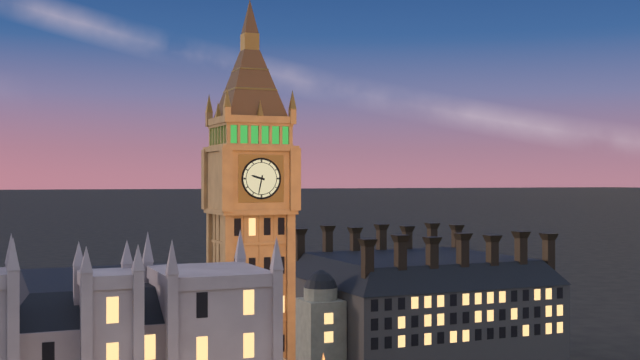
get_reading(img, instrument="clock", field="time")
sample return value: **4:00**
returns **9:32**
